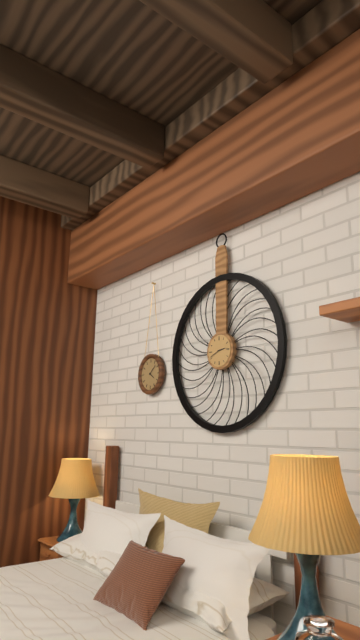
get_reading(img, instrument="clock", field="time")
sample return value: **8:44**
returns **2:41**
